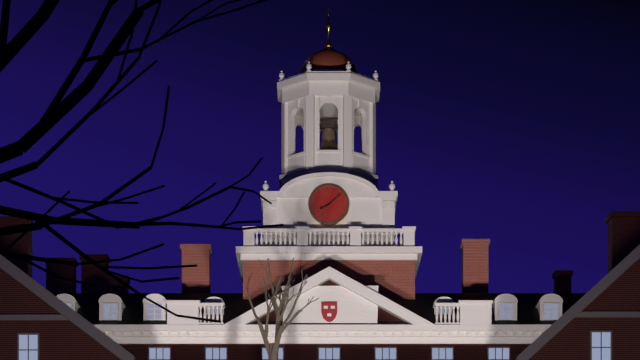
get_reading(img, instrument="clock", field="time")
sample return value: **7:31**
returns **8:08**
